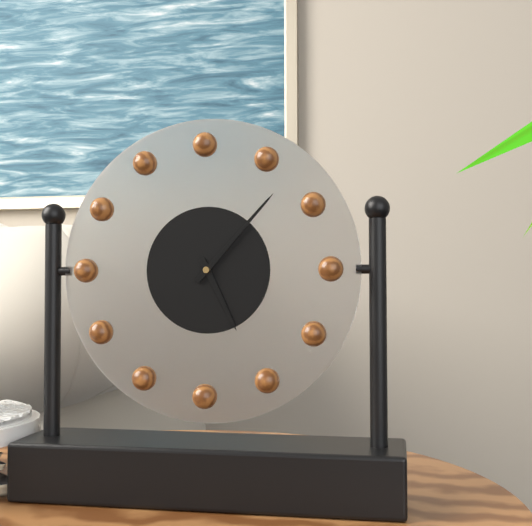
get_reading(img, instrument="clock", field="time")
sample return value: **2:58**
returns **5:07**
